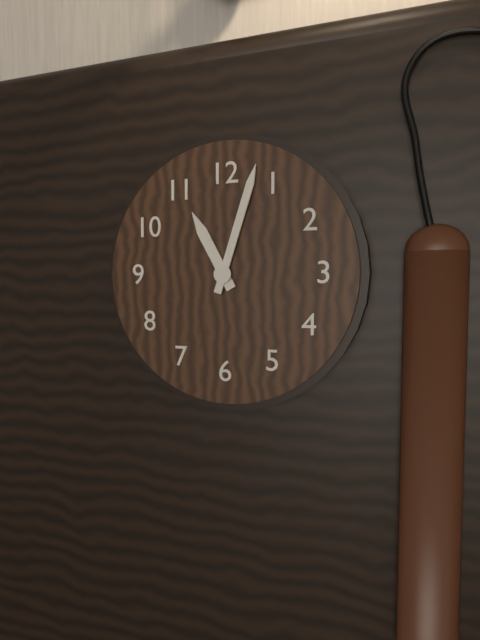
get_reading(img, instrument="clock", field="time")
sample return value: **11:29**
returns **11:03**
